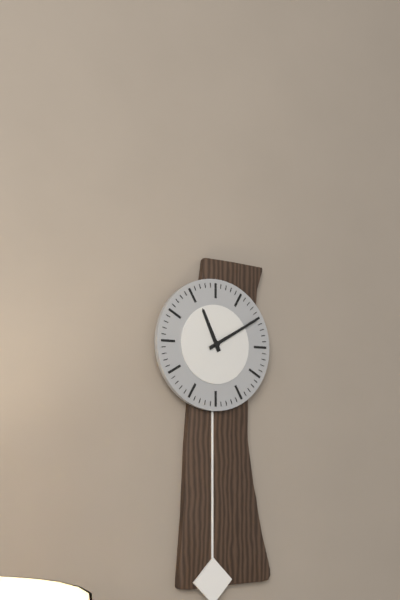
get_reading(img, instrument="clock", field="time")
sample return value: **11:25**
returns **11:10**
